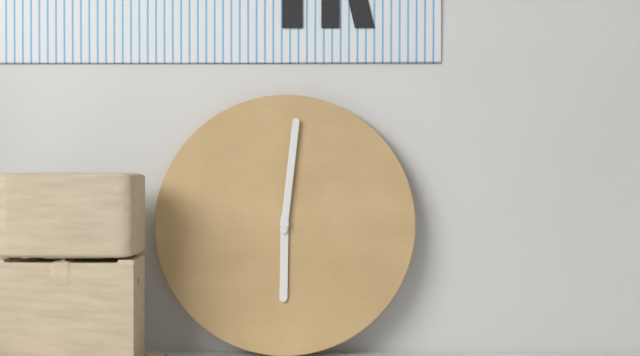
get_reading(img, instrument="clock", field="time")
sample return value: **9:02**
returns **6:01**
